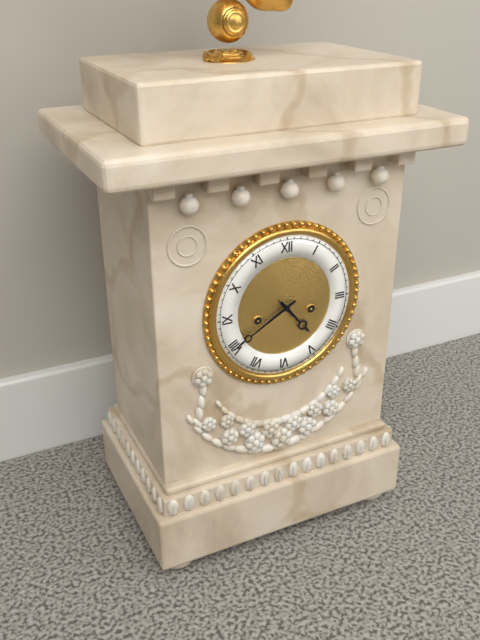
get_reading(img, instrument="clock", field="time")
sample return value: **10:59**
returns **4:40**
